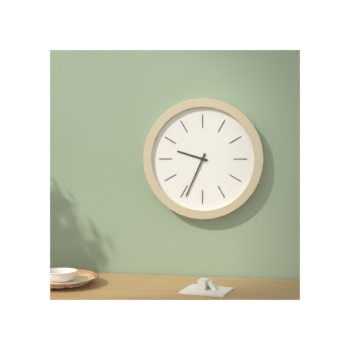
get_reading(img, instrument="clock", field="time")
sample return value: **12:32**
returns **9:34**
